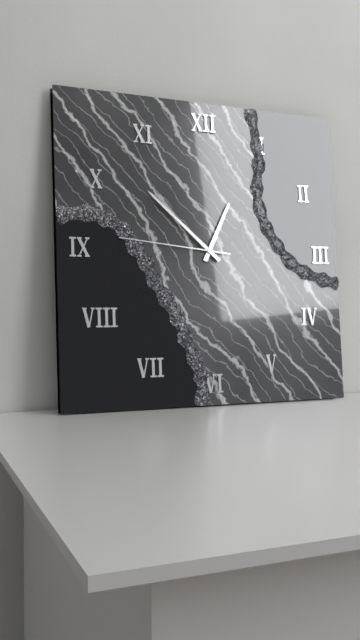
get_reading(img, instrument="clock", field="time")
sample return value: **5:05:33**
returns **12:52:46**
